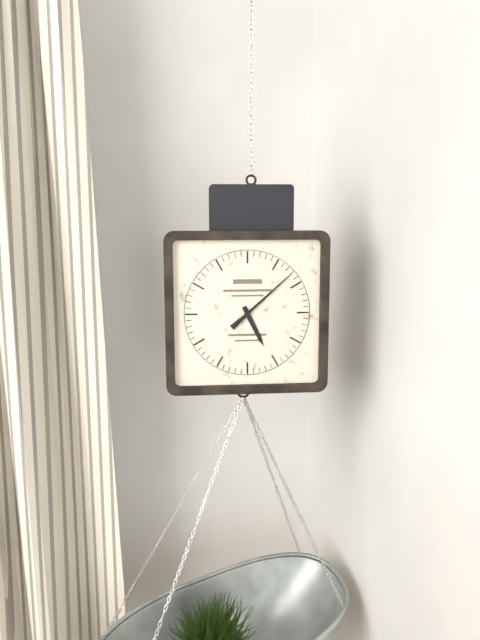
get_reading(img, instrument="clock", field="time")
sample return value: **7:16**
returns **5:08**
